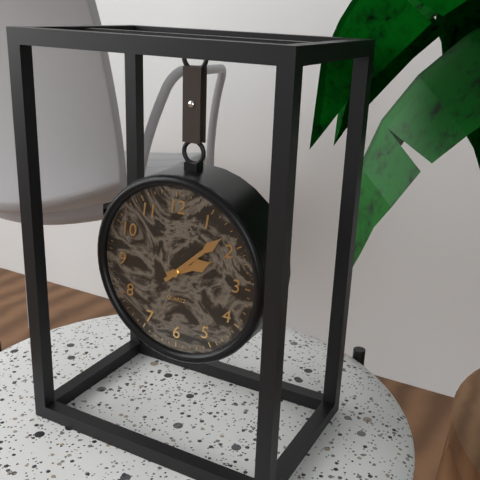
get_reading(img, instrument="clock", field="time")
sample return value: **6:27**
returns **2:08**
